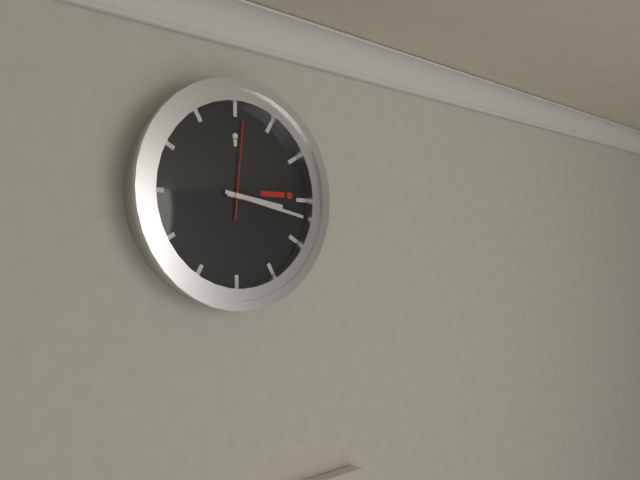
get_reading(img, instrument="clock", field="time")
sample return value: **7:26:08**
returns **3:17:01**
